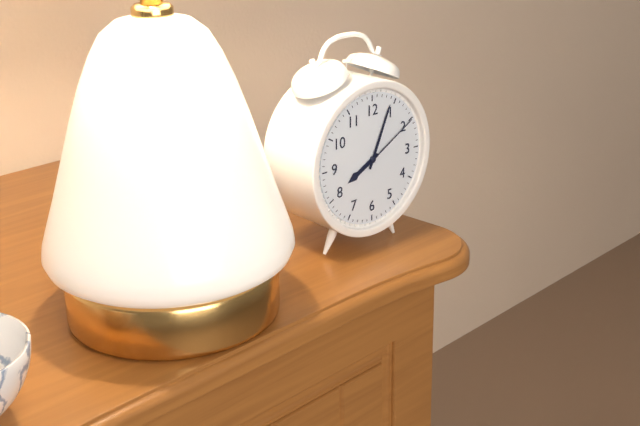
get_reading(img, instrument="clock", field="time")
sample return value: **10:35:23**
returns **8:04:10**
